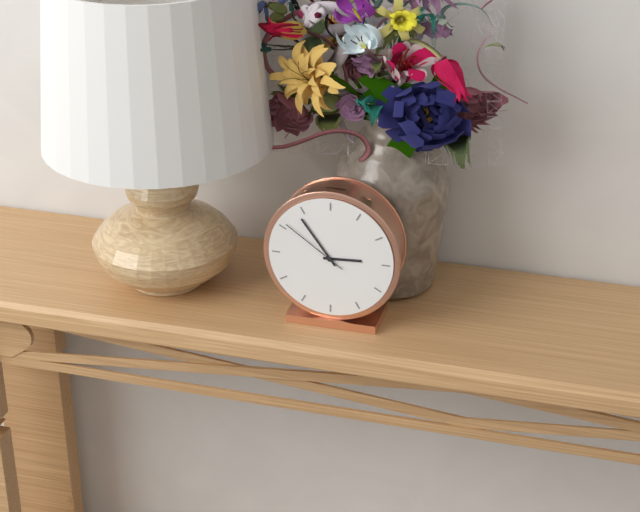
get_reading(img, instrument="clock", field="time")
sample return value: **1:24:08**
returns **2:54:51**
